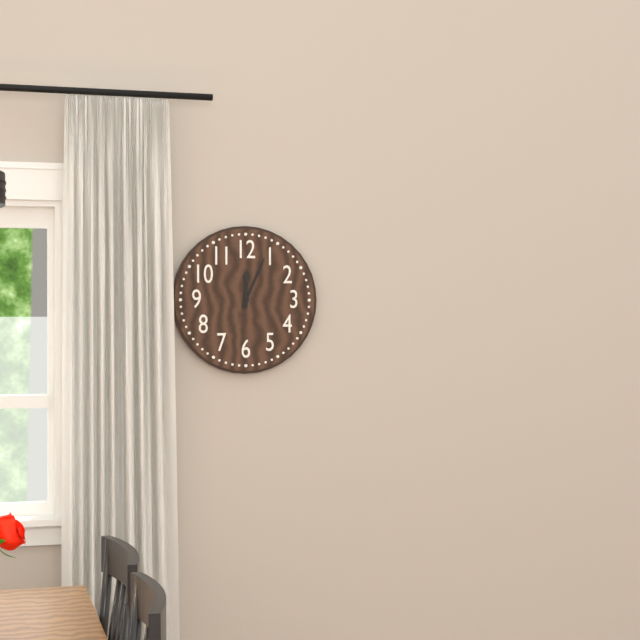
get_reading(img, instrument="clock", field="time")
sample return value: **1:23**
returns **12:04**
